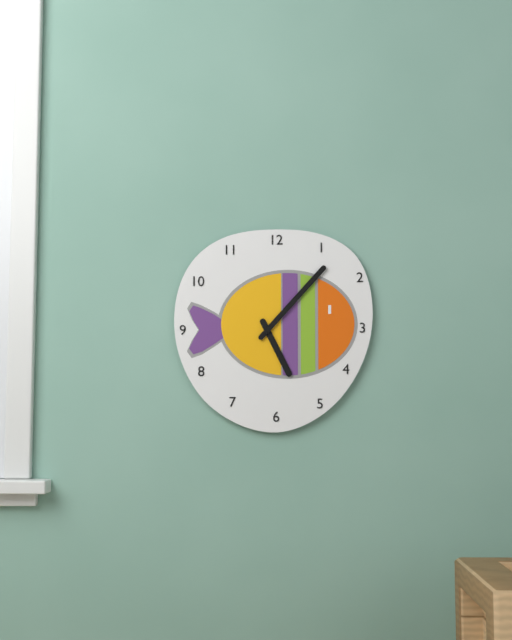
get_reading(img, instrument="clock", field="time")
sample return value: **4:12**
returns **5:07**
